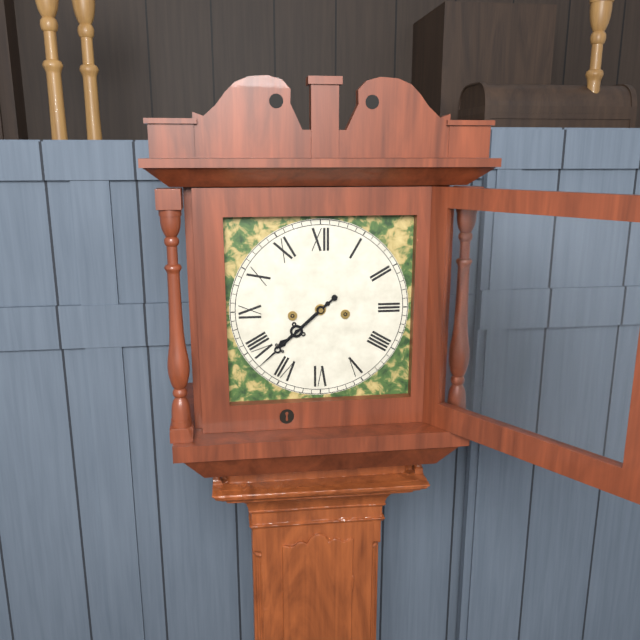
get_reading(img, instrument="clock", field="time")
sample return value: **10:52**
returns **7:38**
